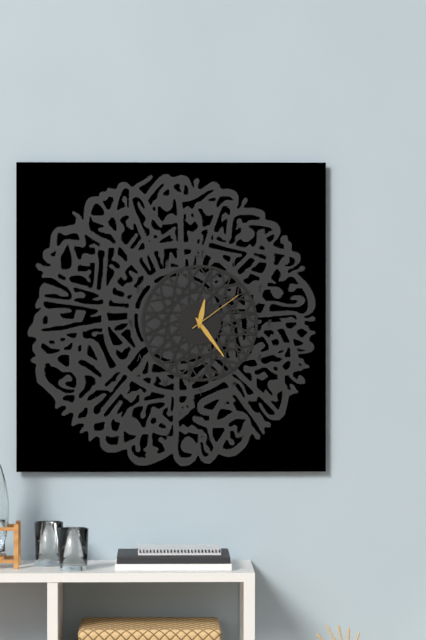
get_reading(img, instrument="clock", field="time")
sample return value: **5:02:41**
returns **12:24:09**
